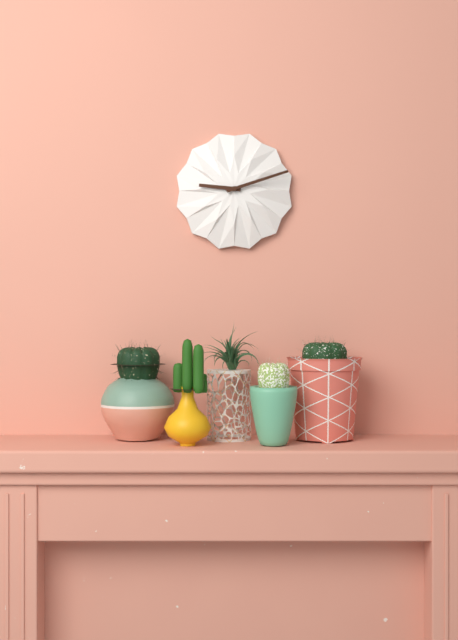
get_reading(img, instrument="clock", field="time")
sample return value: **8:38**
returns **9:12**
